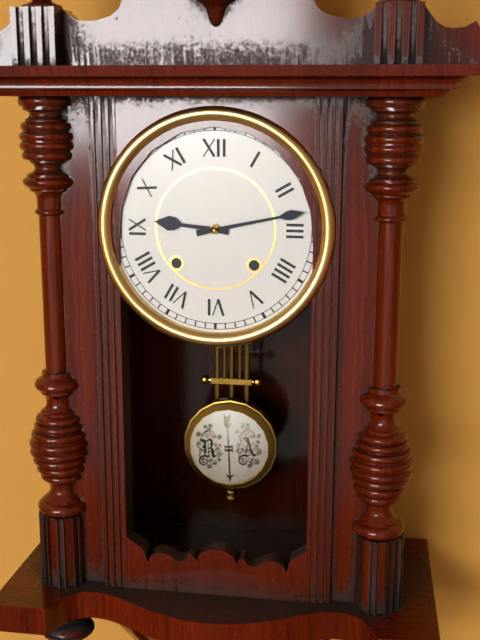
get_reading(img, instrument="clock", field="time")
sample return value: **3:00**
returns **9:13**
